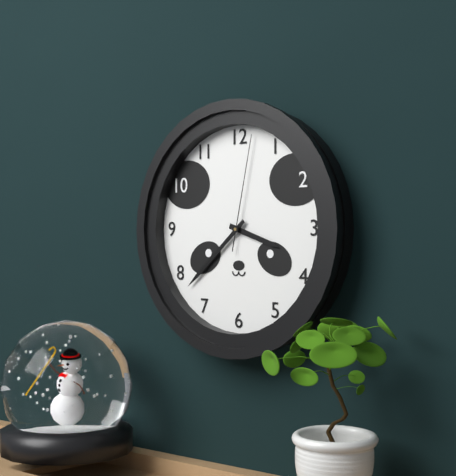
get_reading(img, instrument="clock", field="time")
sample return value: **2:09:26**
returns **3:38:02**
